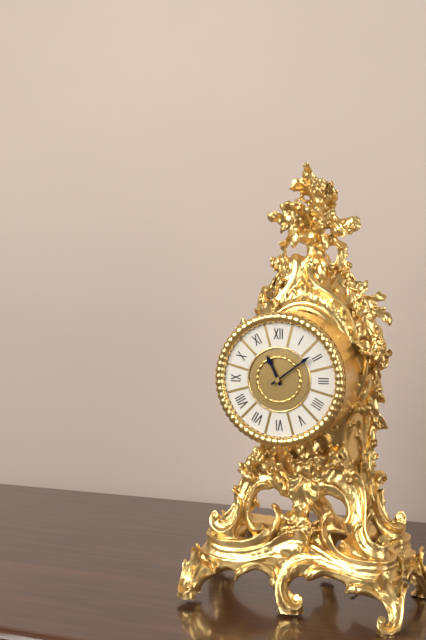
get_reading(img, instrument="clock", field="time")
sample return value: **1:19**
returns **11:09**
